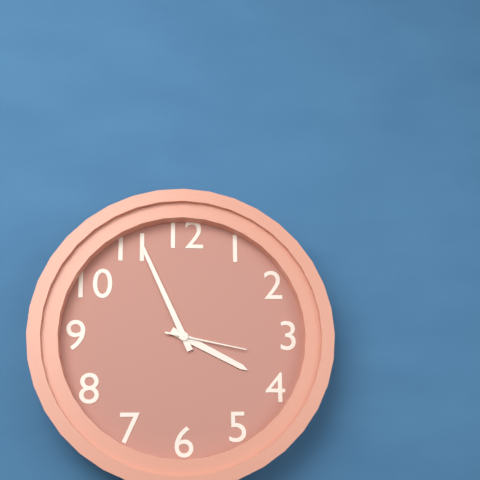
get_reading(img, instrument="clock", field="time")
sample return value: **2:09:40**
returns **3:56:17**
